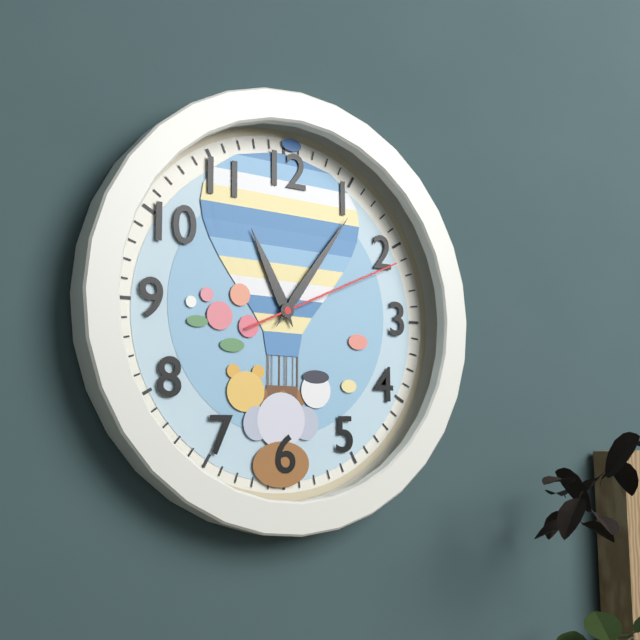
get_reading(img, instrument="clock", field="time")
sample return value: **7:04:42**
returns **11:06:11**
